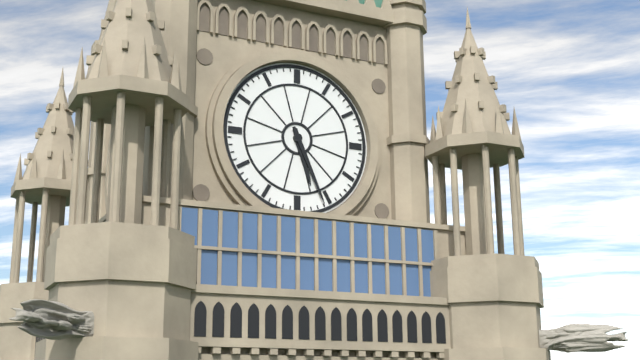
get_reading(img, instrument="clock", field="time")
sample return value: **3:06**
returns **5:26**
